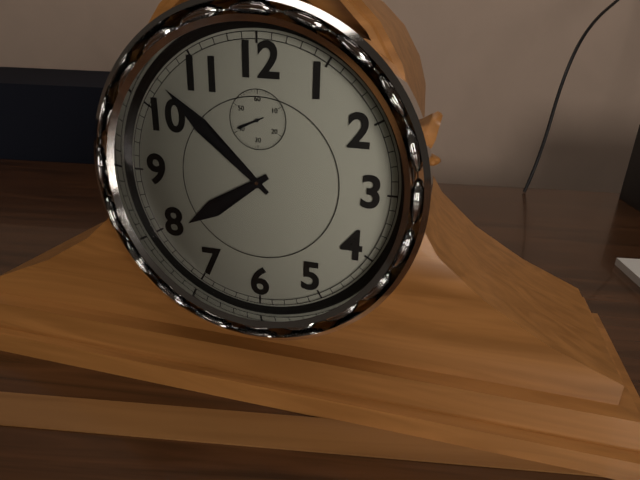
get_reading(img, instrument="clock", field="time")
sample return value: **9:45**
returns **7:52**
